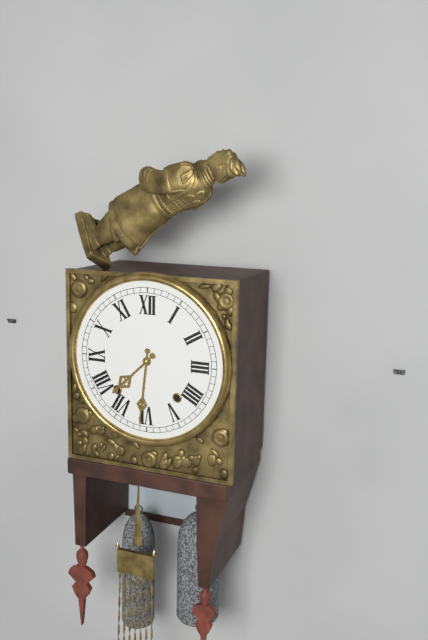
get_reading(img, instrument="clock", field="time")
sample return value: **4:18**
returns **7:31**
